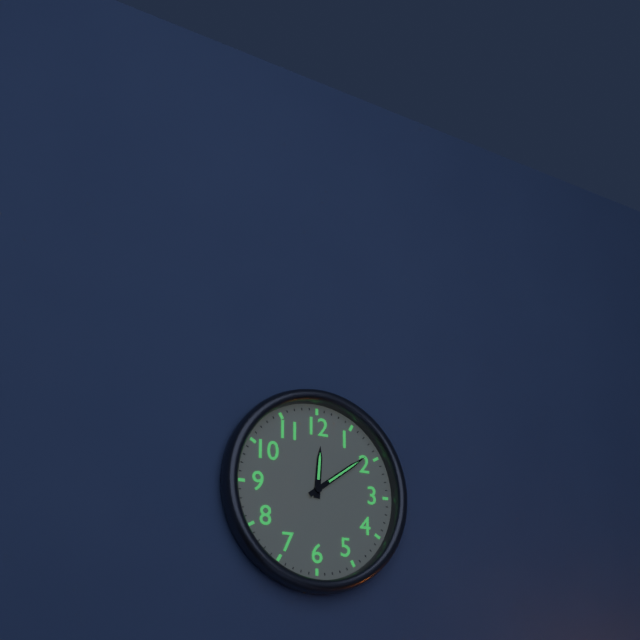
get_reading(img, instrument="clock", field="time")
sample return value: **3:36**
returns **12:09**
